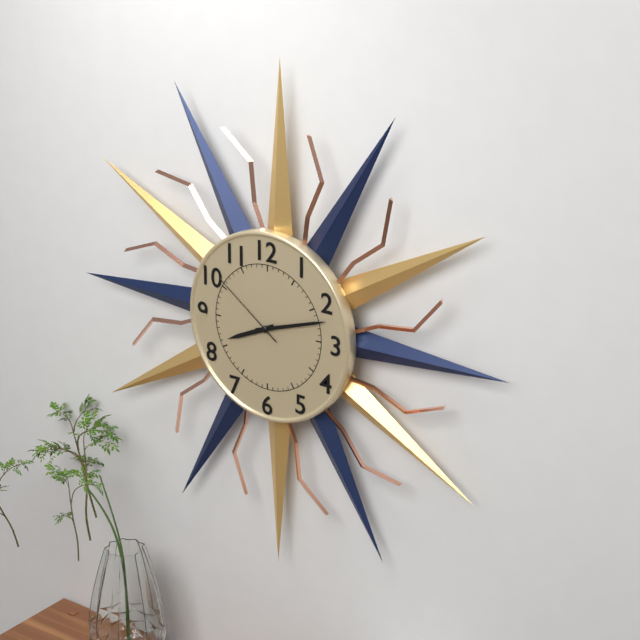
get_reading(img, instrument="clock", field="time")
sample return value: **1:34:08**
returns **8:12:51**
